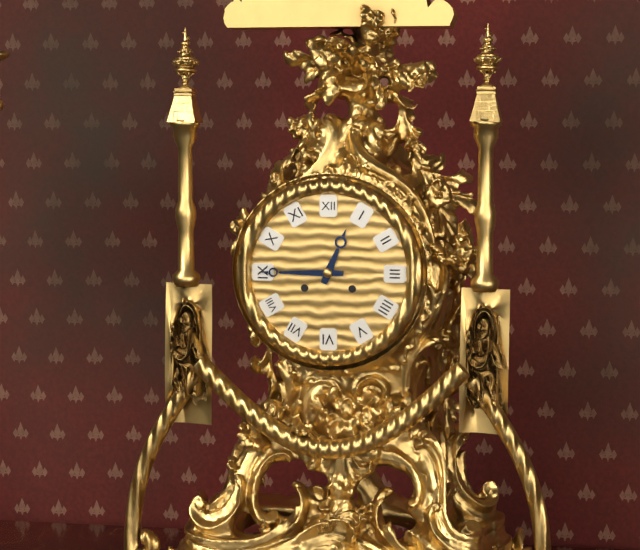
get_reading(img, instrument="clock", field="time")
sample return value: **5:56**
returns **12:45**
